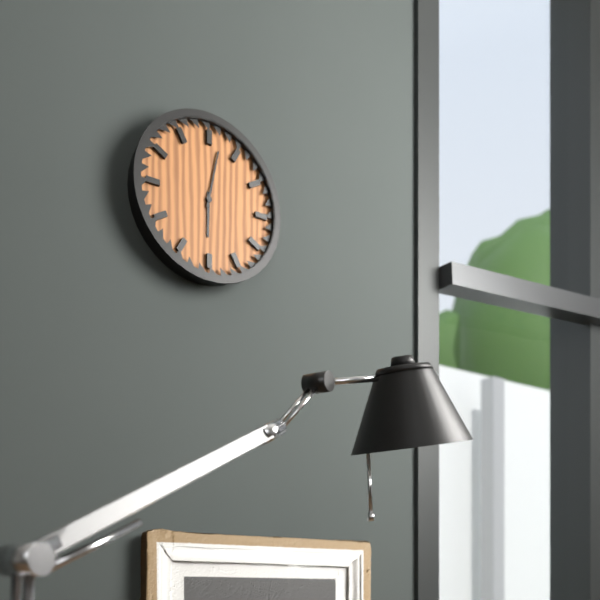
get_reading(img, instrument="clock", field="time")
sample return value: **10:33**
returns **6:02**
